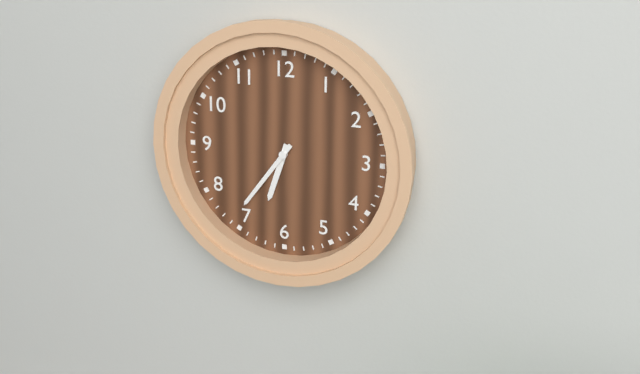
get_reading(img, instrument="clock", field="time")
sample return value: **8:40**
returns **6:36**
